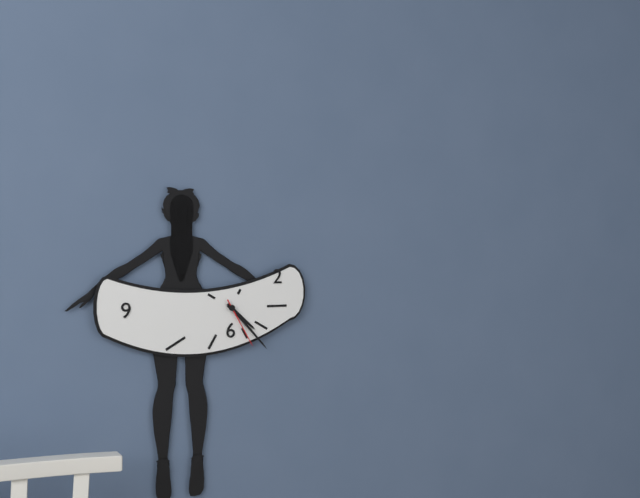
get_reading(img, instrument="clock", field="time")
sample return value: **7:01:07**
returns **4:23:25**
